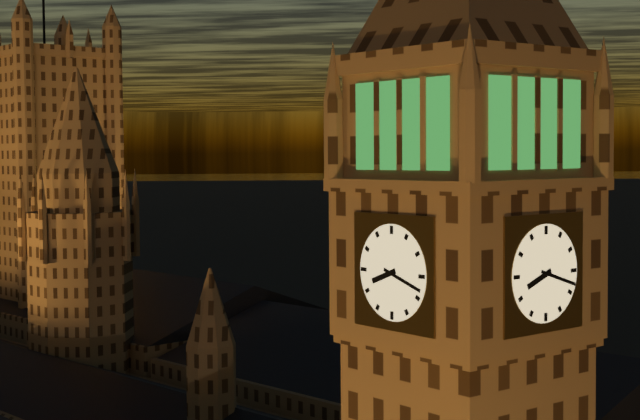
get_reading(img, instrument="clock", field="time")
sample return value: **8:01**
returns **8:18**
